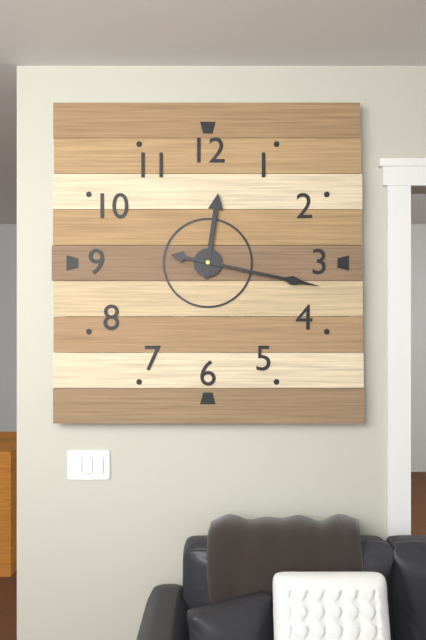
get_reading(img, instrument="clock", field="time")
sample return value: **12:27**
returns **12:17**
